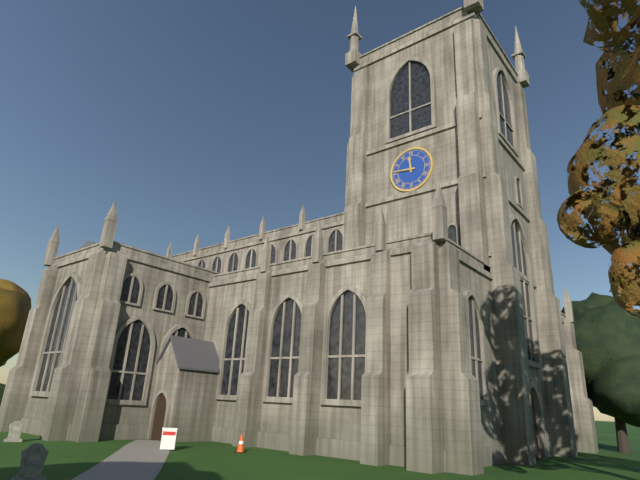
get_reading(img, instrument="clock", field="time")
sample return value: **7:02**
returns **11:46**
